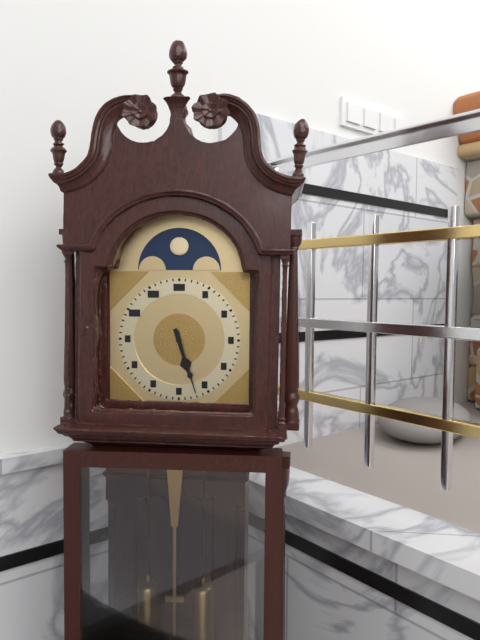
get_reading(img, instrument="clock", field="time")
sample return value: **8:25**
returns **5:27**
